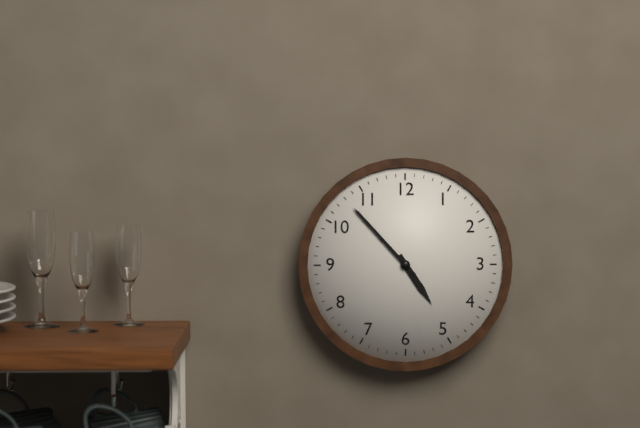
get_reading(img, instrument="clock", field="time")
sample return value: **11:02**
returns **4:53**
